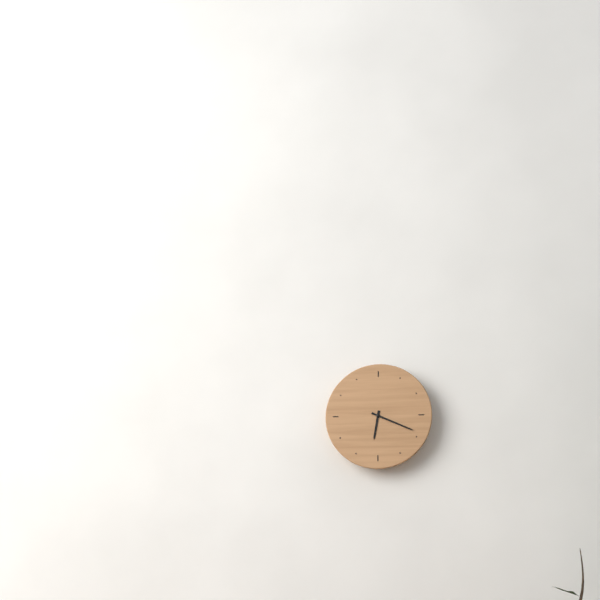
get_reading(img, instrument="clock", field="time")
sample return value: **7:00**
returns **6:19**
